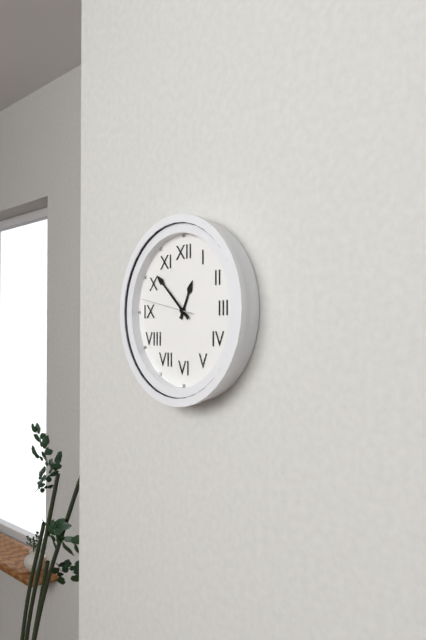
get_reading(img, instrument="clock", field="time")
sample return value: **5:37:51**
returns **12:52:47**
